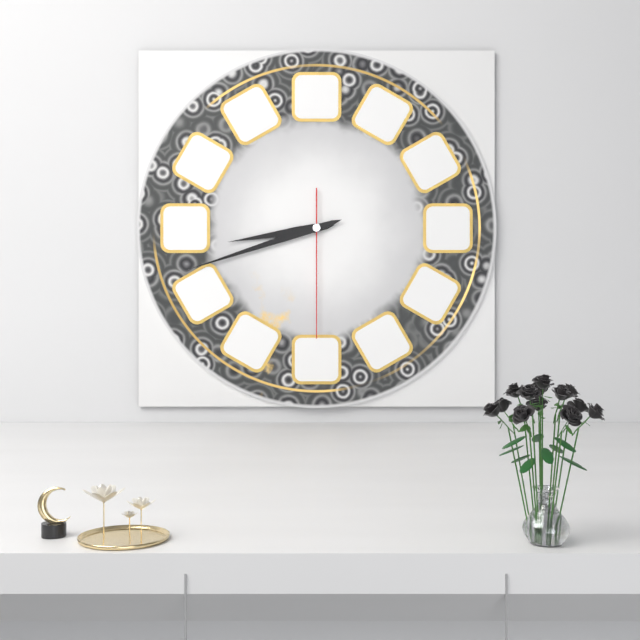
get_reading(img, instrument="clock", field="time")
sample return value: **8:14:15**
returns **8:42:30**
